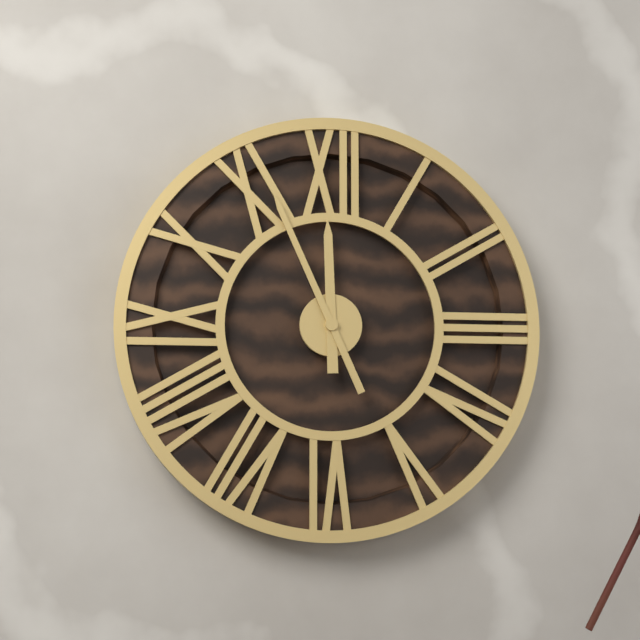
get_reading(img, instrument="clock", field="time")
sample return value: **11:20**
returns **11:56**
